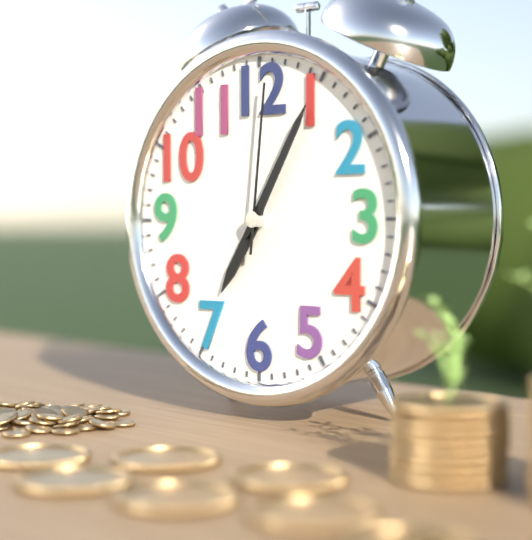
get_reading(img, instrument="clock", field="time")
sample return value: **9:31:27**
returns **7:05:01**
